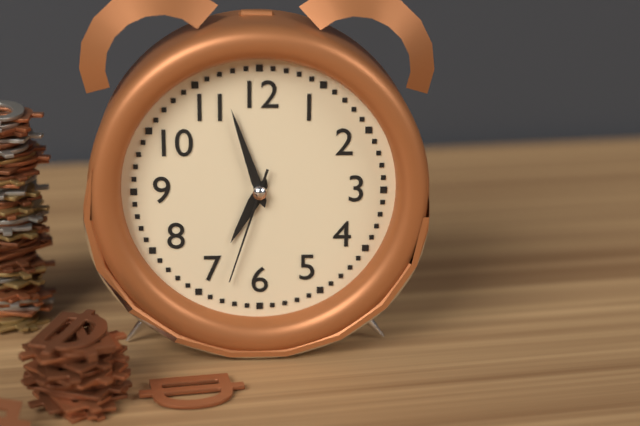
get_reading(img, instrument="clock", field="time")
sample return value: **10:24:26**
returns **6:57:33**
